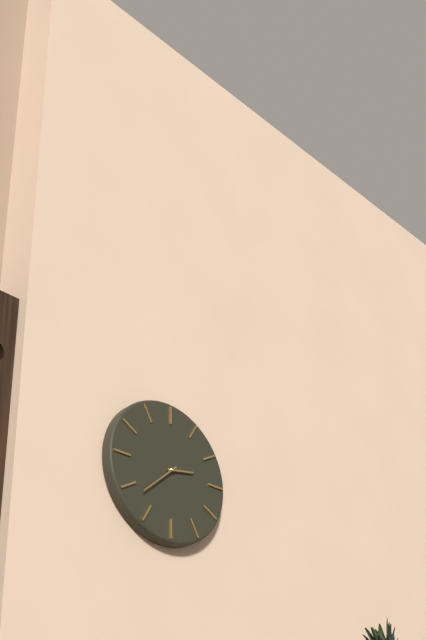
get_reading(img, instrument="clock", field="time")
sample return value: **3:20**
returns **2:38**
